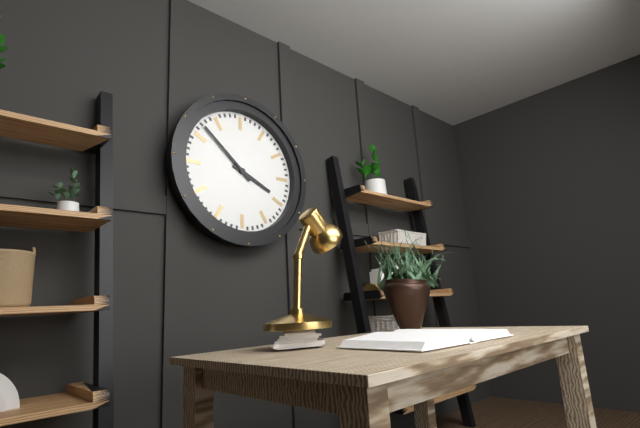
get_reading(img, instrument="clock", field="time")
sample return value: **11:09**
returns **3:52**
